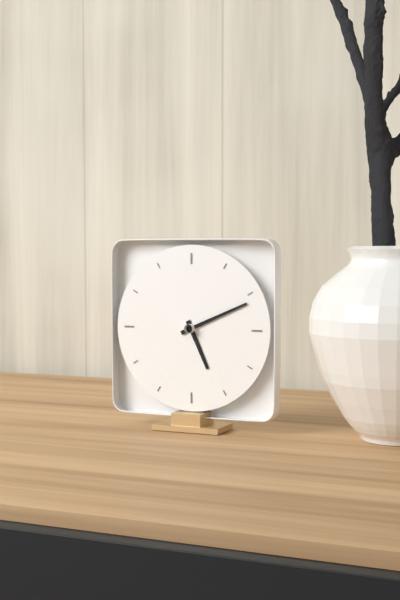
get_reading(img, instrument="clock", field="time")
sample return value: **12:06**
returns **5:11**
